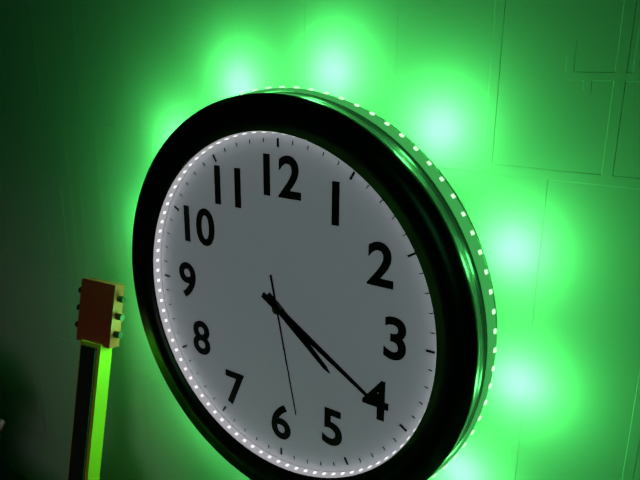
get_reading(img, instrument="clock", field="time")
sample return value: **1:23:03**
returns **4:20:28**
